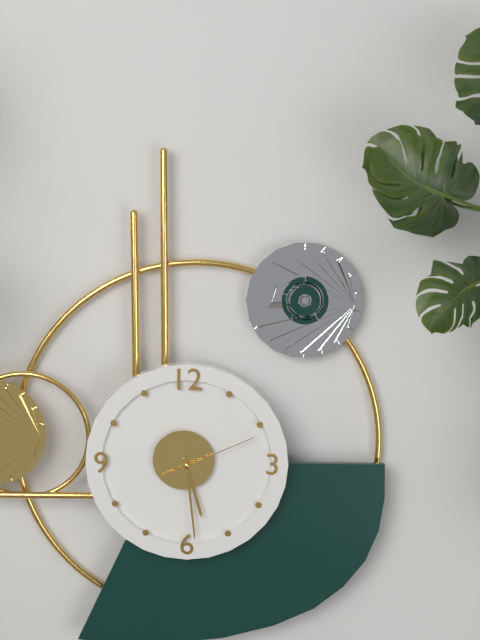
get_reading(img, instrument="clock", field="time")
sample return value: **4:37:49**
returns **5:29:11**
